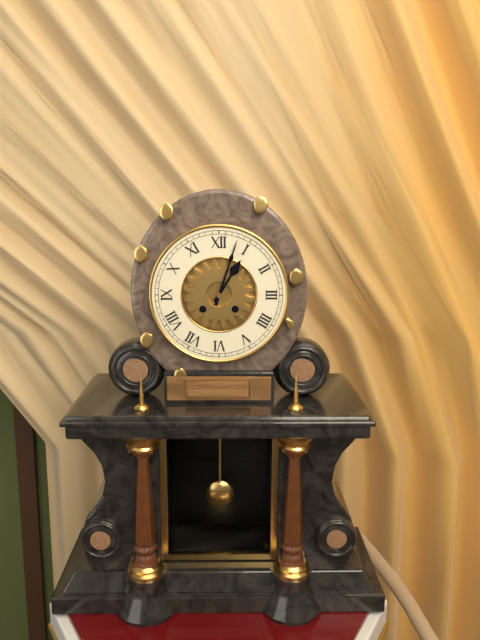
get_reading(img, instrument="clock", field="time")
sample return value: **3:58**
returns **1:03**
